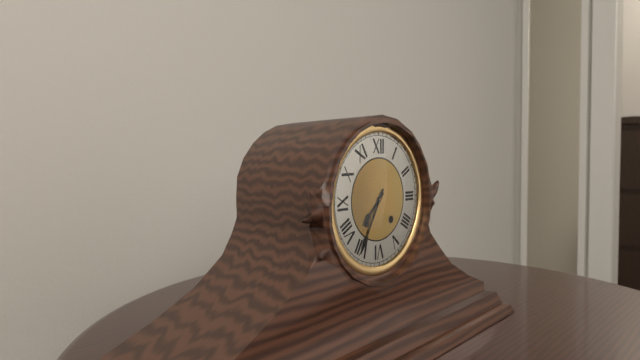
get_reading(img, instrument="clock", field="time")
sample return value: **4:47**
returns **7:35**
